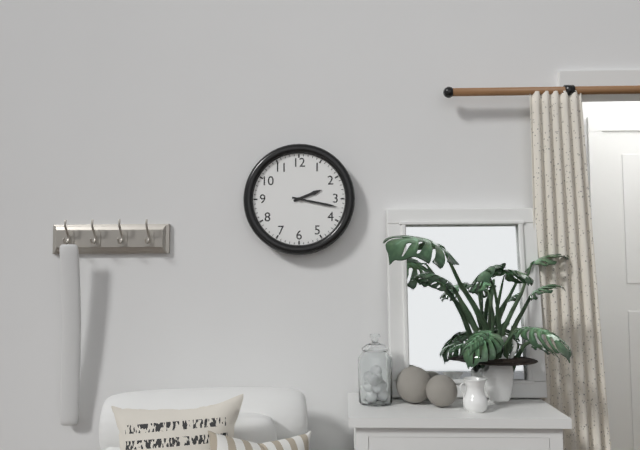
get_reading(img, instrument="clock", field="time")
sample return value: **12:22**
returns **2:17**
